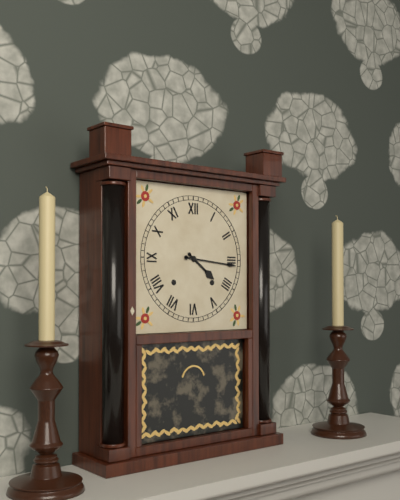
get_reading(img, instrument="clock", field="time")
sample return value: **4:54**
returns **4:16**
